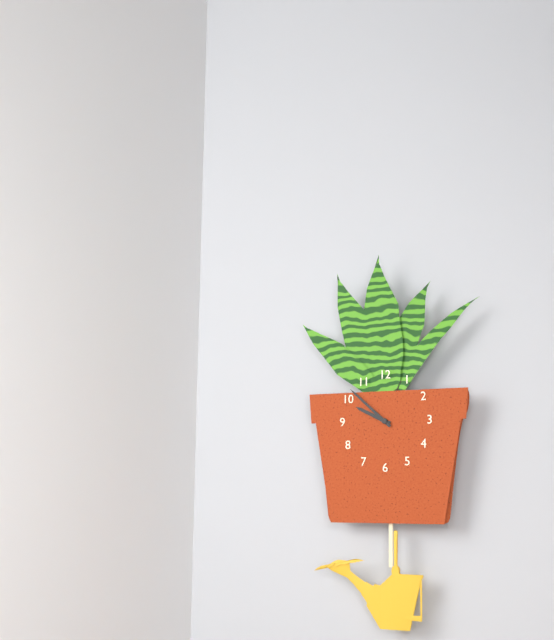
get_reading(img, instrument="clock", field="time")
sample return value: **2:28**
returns **9:52**
